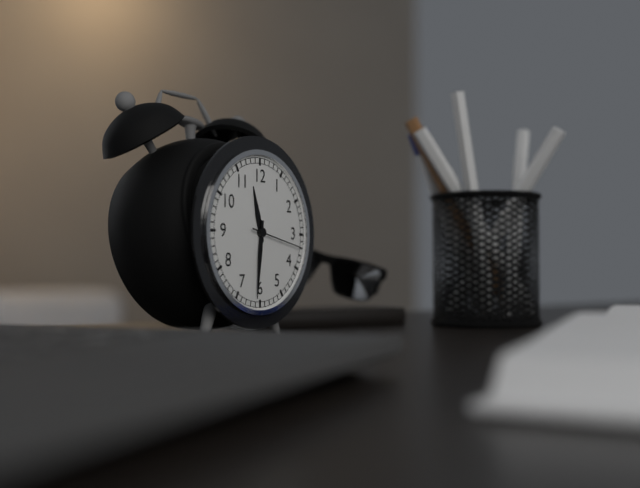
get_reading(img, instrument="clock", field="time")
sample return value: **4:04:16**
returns **11:31:17**
